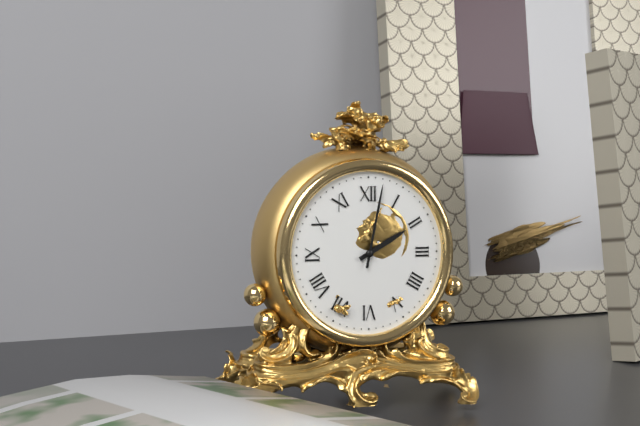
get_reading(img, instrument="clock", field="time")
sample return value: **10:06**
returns **2:02**
